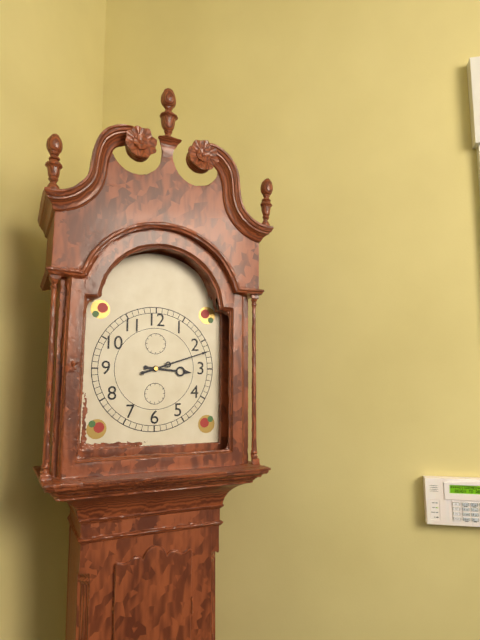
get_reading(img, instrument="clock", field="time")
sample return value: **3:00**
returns **3:12**
